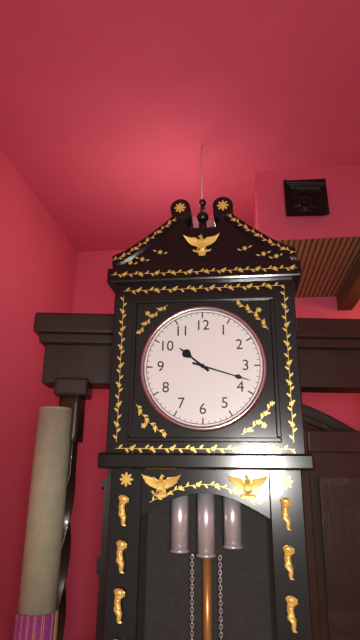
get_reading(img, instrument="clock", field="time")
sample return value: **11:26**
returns **10:18**
